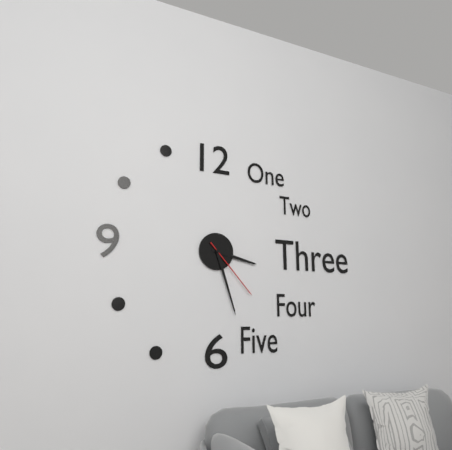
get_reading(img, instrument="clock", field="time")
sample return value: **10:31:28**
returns **3:27:23**
